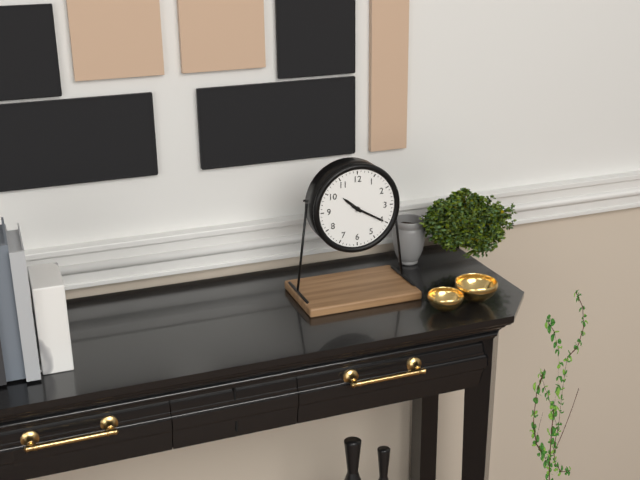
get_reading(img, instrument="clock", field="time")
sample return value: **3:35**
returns **10:20**
